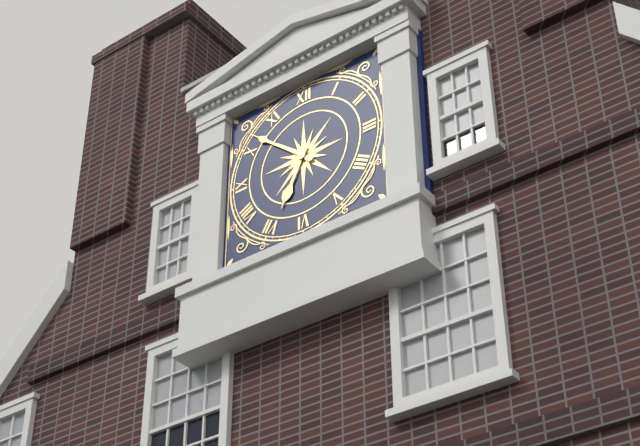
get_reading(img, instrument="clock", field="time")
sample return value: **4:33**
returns **6:52**
